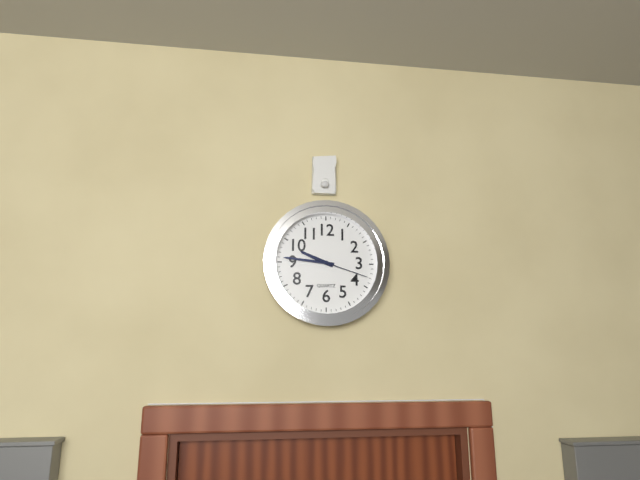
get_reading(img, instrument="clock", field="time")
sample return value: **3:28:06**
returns **9:46:18**
